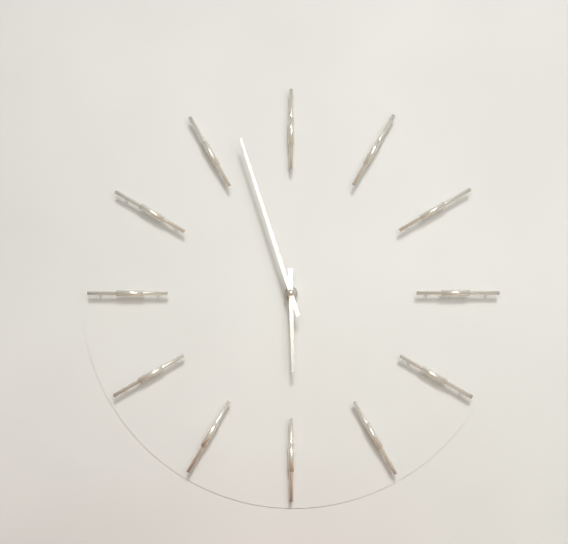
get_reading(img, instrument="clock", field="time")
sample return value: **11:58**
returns **5:57**
